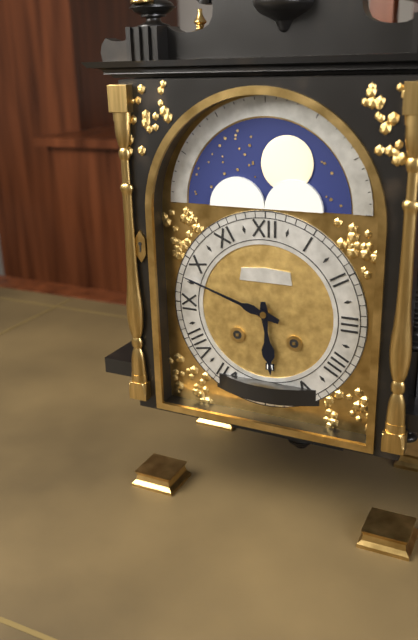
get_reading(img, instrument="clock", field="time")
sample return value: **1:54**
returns **5:48**
